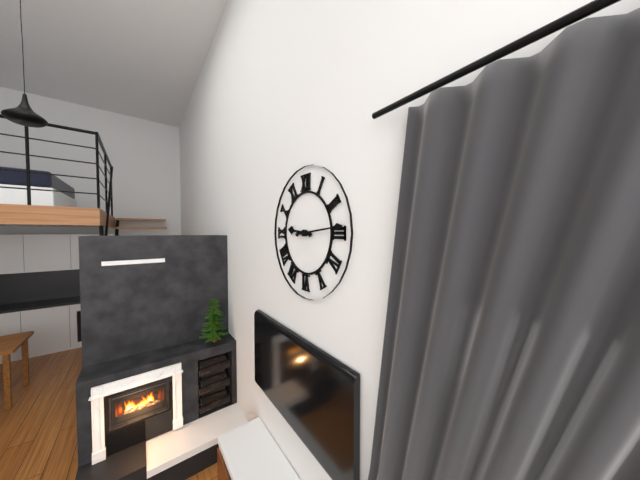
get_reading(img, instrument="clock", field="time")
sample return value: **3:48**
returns **9:14**
